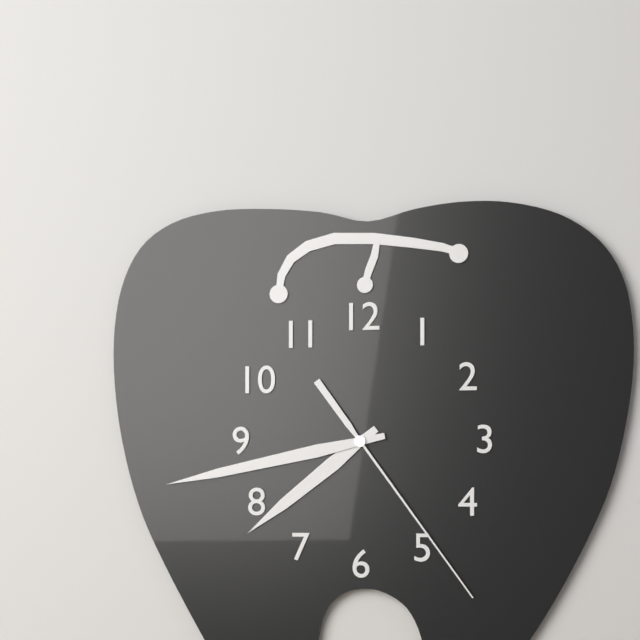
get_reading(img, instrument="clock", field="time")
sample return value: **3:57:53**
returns **7:43:24**
